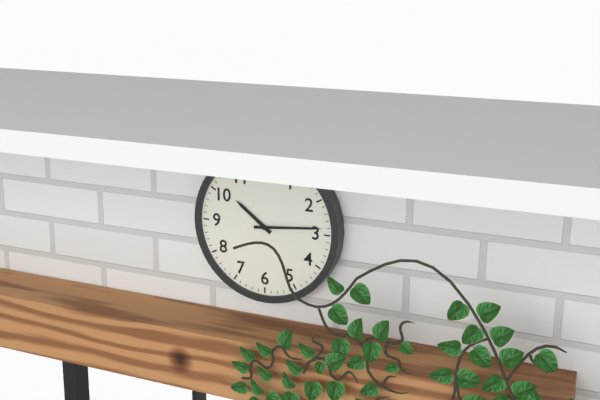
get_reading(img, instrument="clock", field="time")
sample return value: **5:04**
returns **10:14**
